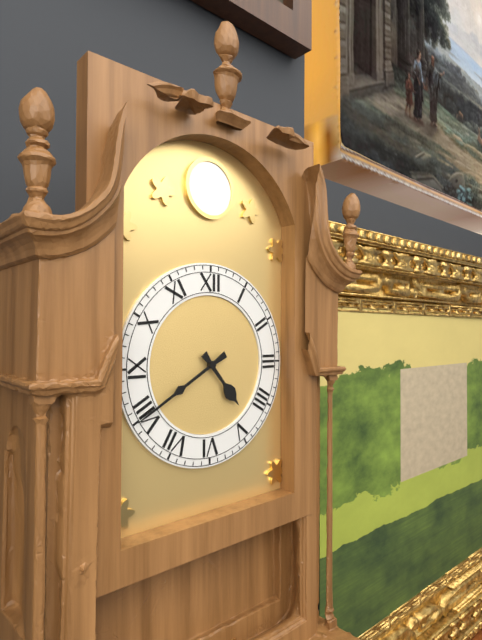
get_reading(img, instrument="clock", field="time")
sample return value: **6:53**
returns **4:40**
